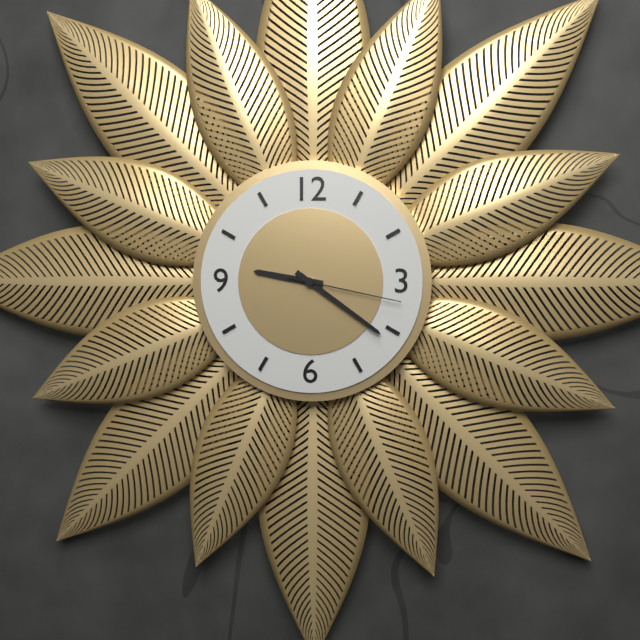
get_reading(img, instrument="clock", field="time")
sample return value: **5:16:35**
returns **9:21:17**
